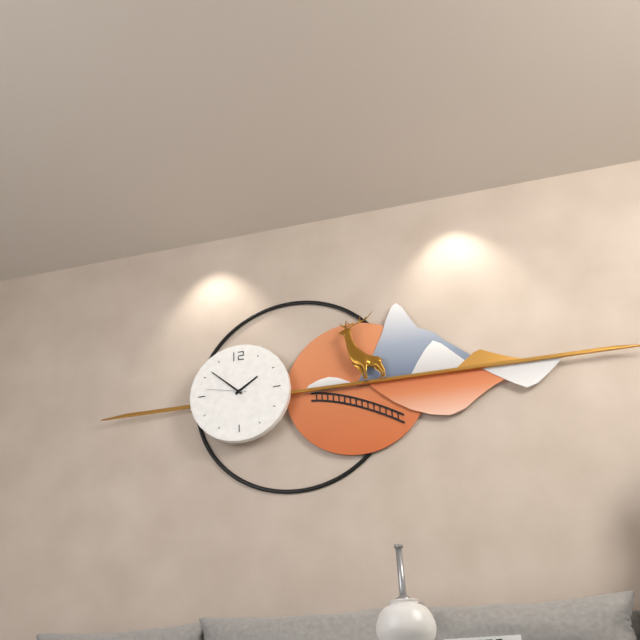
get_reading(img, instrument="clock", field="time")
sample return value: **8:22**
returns **1:52**
